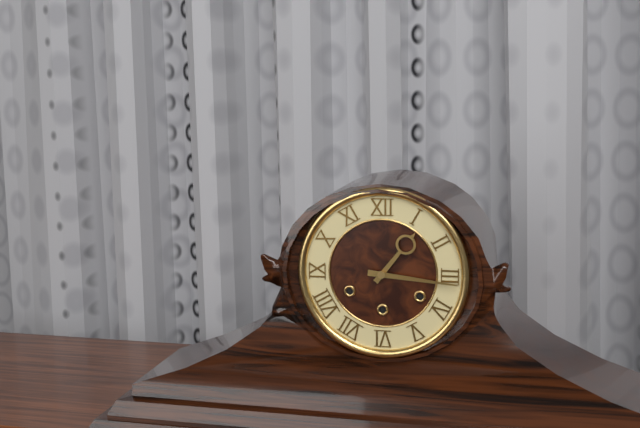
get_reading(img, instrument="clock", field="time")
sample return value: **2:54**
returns **1:16**
